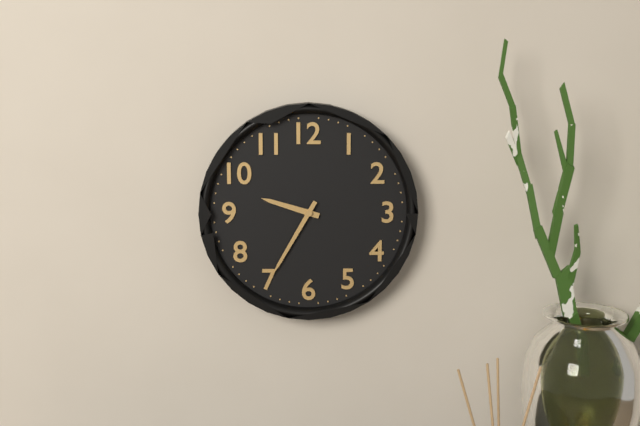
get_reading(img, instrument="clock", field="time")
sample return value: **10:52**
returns **9:35**
